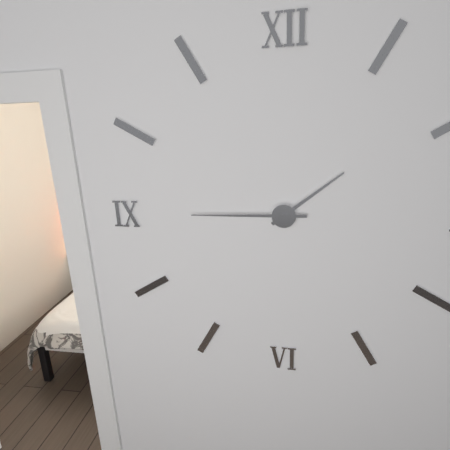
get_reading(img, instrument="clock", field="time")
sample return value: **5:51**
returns **1:45**
